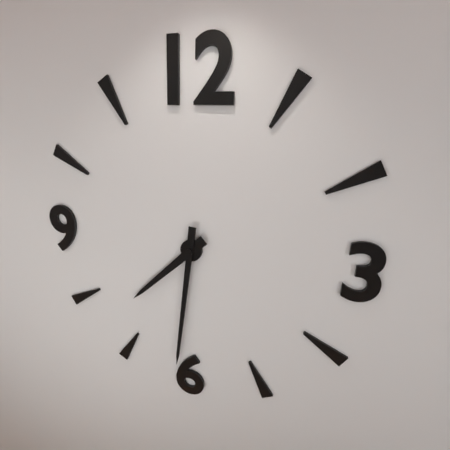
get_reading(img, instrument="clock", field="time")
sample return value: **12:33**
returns **7:31**
